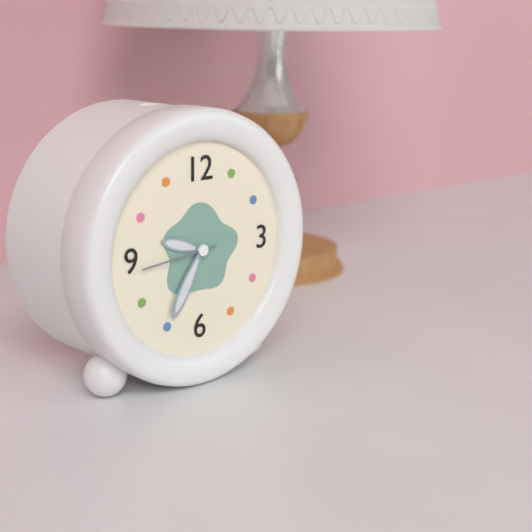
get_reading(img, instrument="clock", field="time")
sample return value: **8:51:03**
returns **9:35:44**
